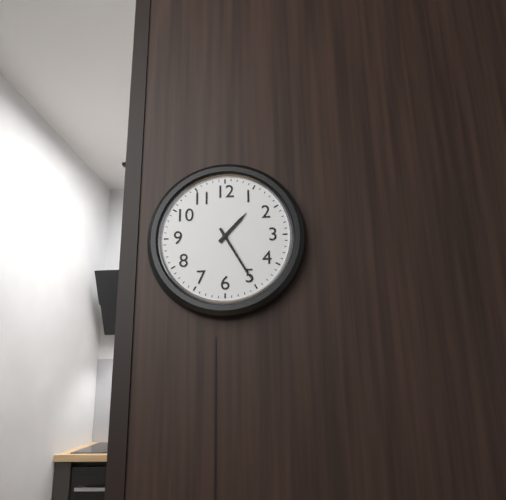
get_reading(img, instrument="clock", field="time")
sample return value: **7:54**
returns **1:25**
